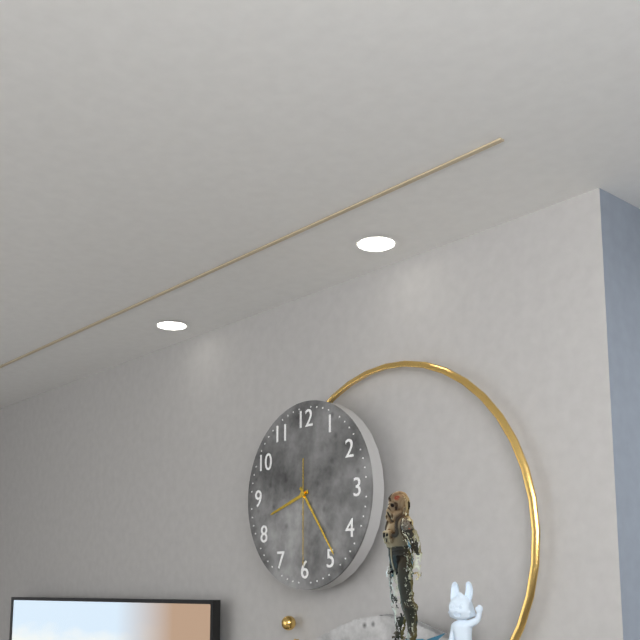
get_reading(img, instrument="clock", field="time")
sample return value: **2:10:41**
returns **8:24:30**
